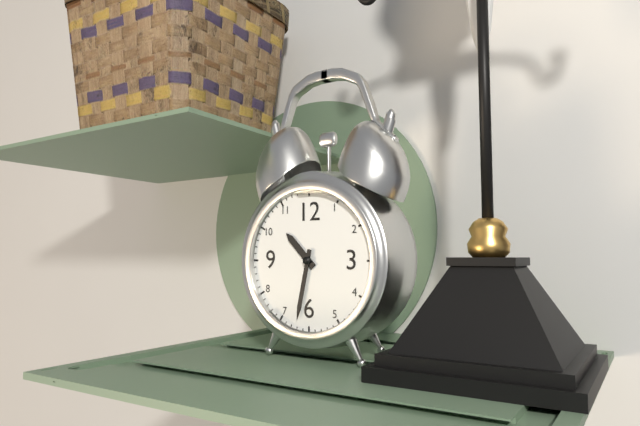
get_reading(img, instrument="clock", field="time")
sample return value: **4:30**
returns **10:32**
